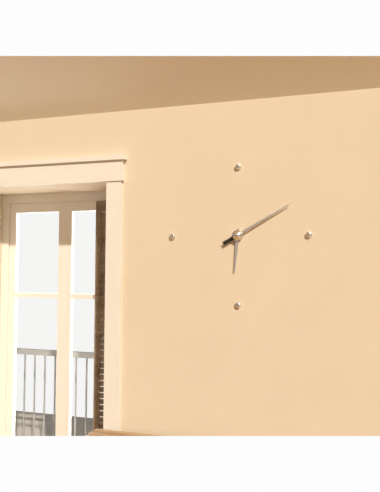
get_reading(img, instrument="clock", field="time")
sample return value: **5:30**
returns **6:10**
